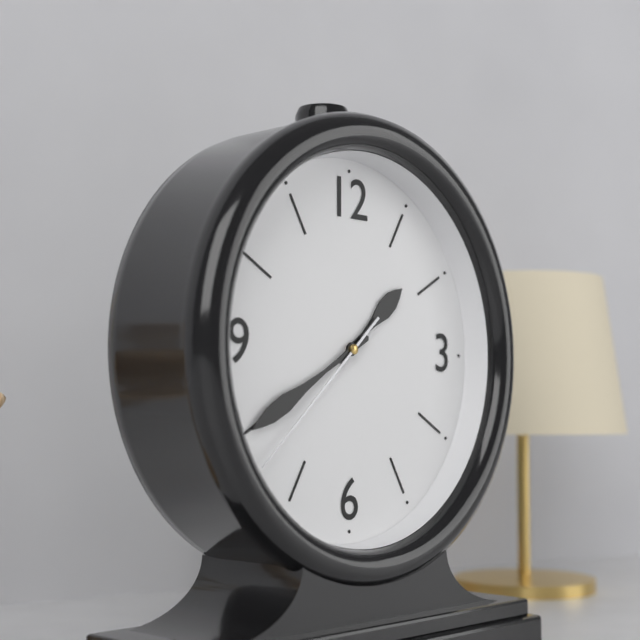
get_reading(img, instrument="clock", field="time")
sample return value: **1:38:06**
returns **1:40:38**
